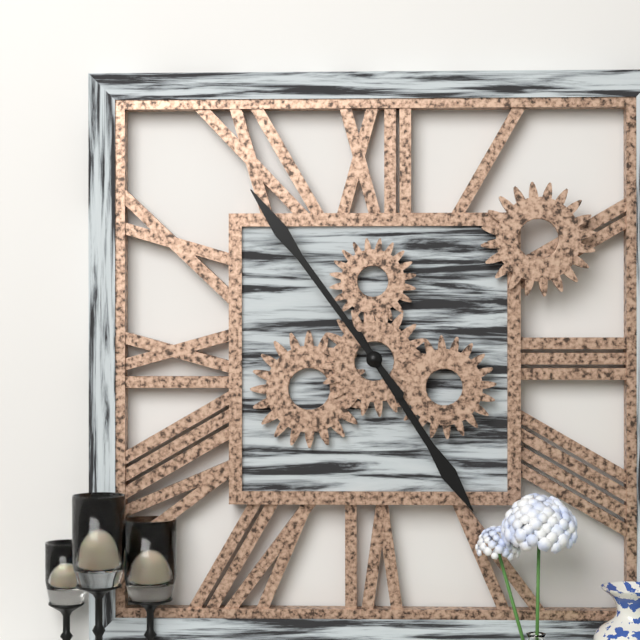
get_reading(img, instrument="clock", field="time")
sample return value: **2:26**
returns **4:54**
